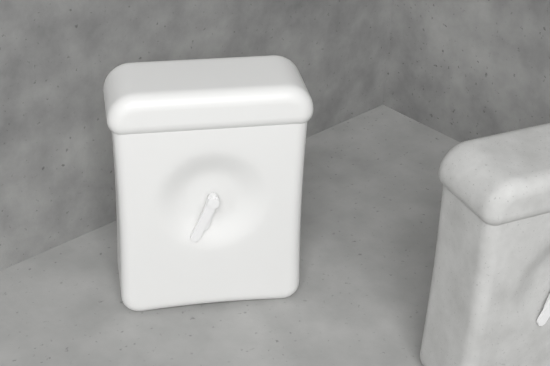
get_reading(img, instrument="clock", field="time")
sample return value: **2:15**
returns **6:34**
